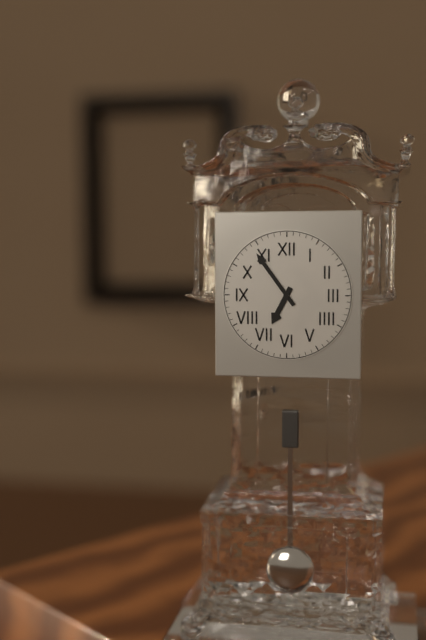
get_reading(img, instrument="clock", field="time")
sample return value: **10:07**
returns **6:54**
